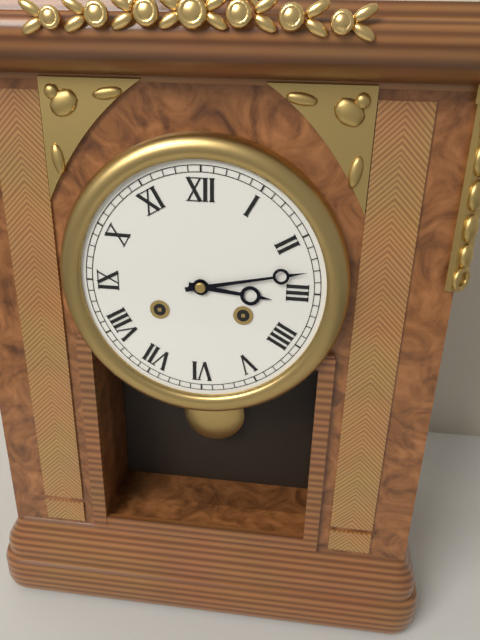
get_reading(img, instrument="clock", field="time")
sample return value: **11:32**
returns **3:13**
